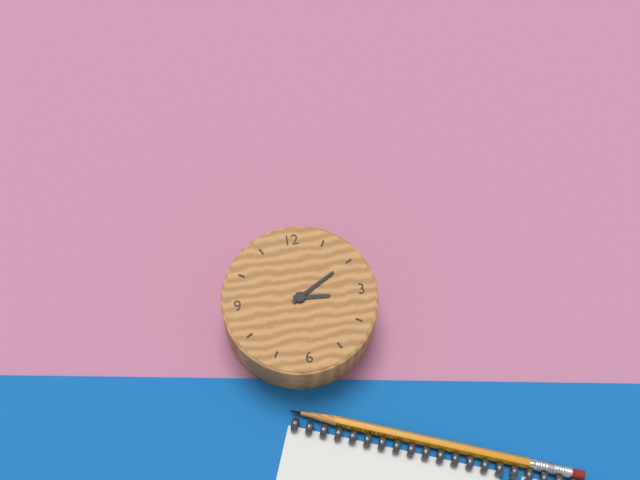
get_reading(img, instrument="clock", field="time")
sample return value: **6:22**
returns **3:10**
